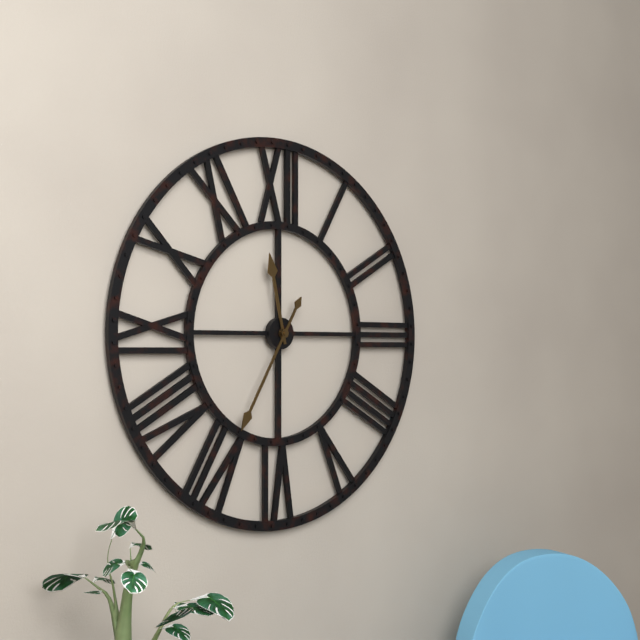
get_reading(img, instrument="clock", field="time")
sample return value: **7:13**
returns **11:35**
